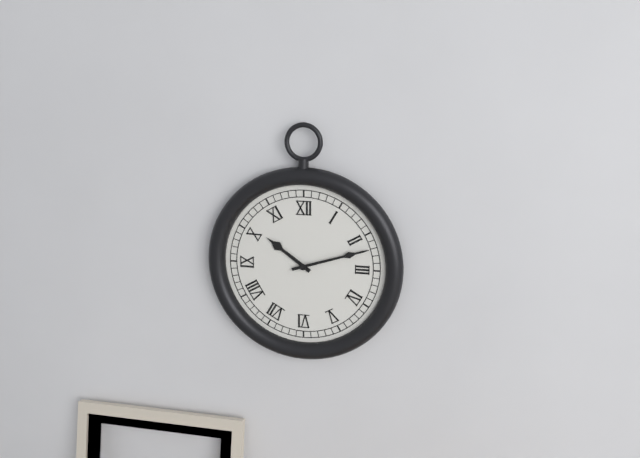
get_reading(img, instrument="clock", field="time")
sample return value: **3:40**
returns **10:12**
